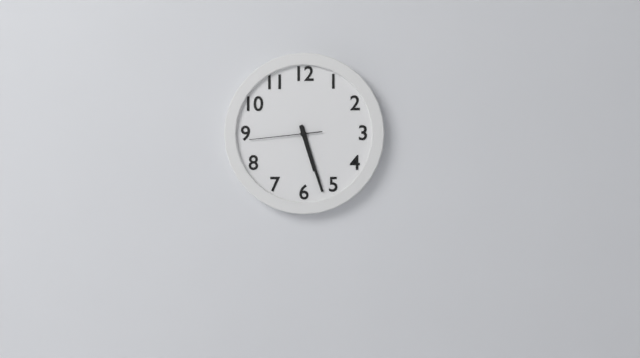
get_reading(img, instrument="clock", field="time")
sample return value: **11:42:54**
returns **5:27:44**
